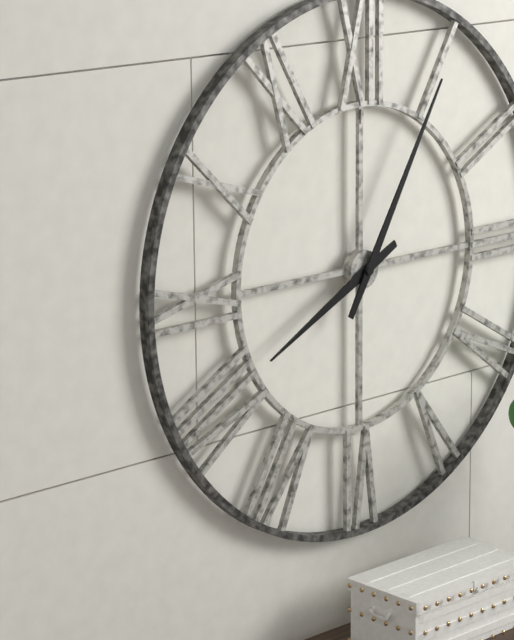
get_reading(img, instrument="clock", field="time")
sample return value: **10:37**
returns **8:05**
